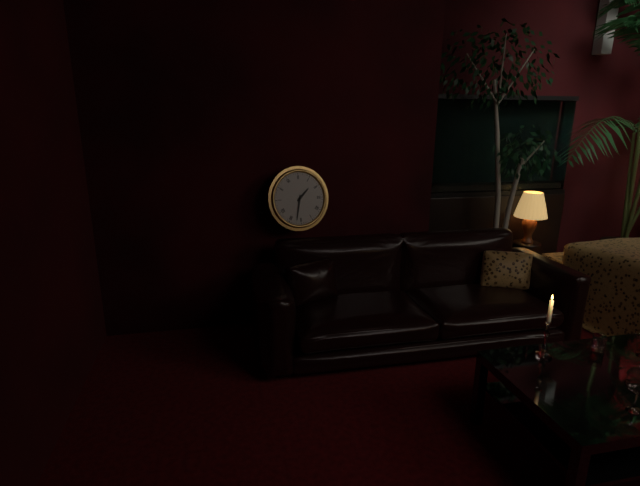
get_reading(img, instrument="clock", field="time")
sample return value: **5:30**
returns **1:32**
